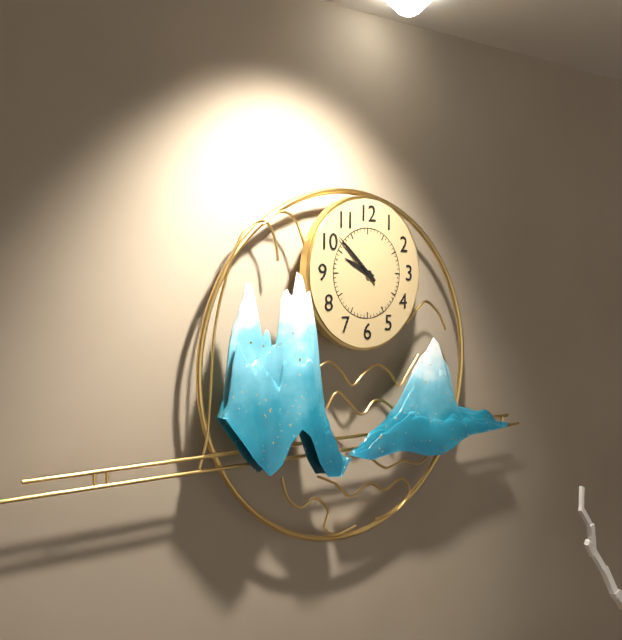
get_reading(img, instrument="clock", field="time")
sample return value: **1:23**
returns **9:52**
